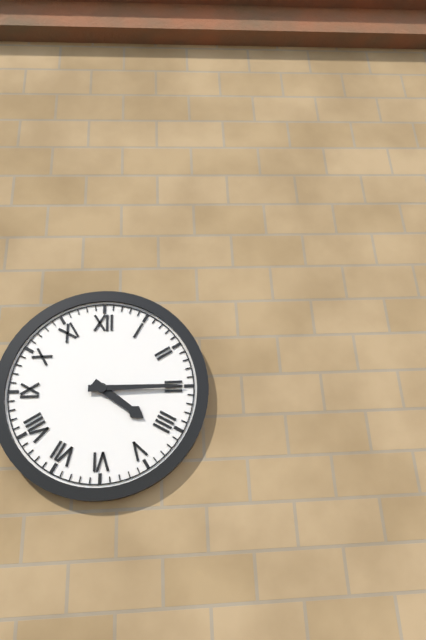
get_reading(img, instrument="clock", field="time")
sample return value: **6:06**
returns **4:15**
